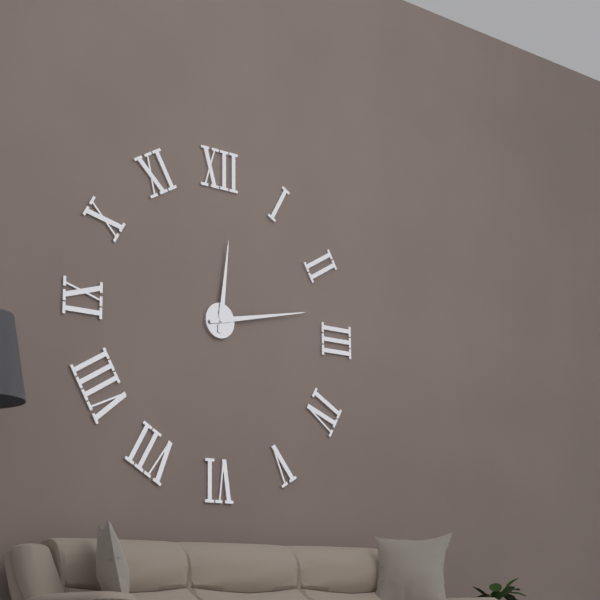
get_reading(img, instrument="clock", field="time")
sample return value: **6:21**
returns **12:13**
